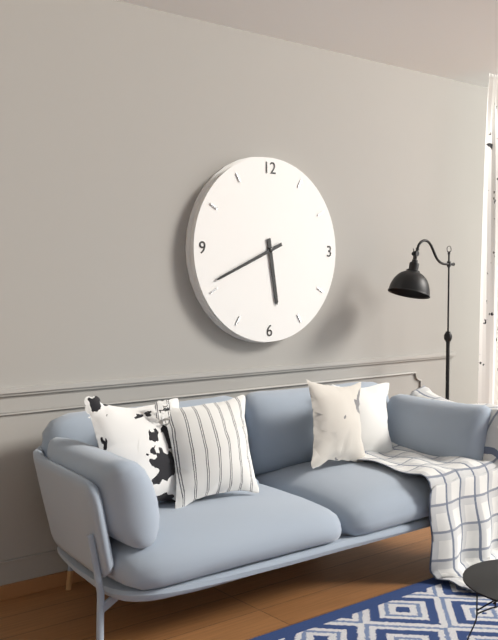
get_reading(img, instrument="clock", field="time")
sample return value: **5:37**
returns **5:41**
